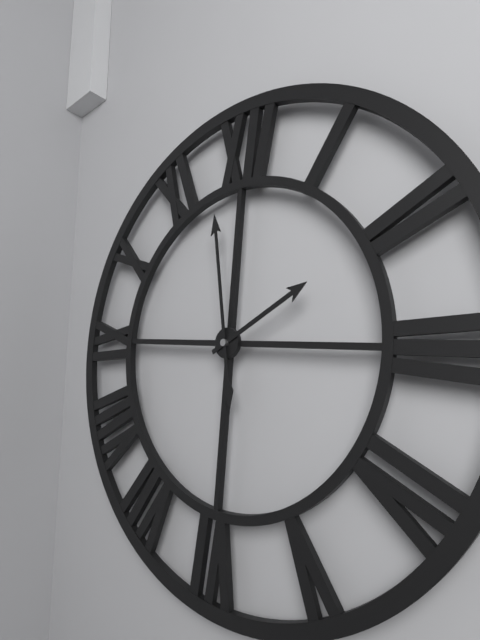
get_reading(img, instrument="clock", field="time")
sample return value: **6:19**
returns **1:58**
